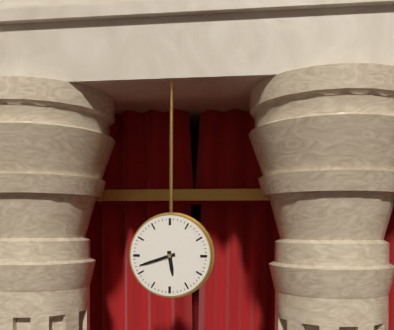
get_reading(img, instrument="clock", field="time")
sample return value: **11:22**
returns **5:42**
